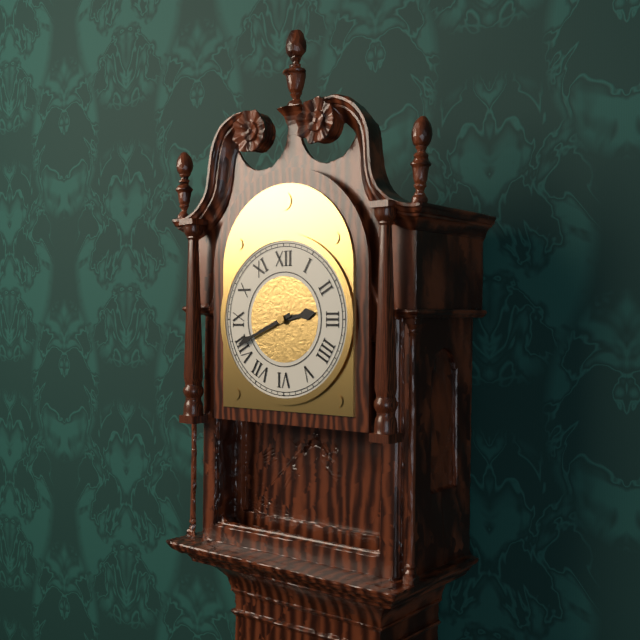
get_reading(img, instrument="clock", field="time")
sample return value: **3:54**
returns **2:41**
